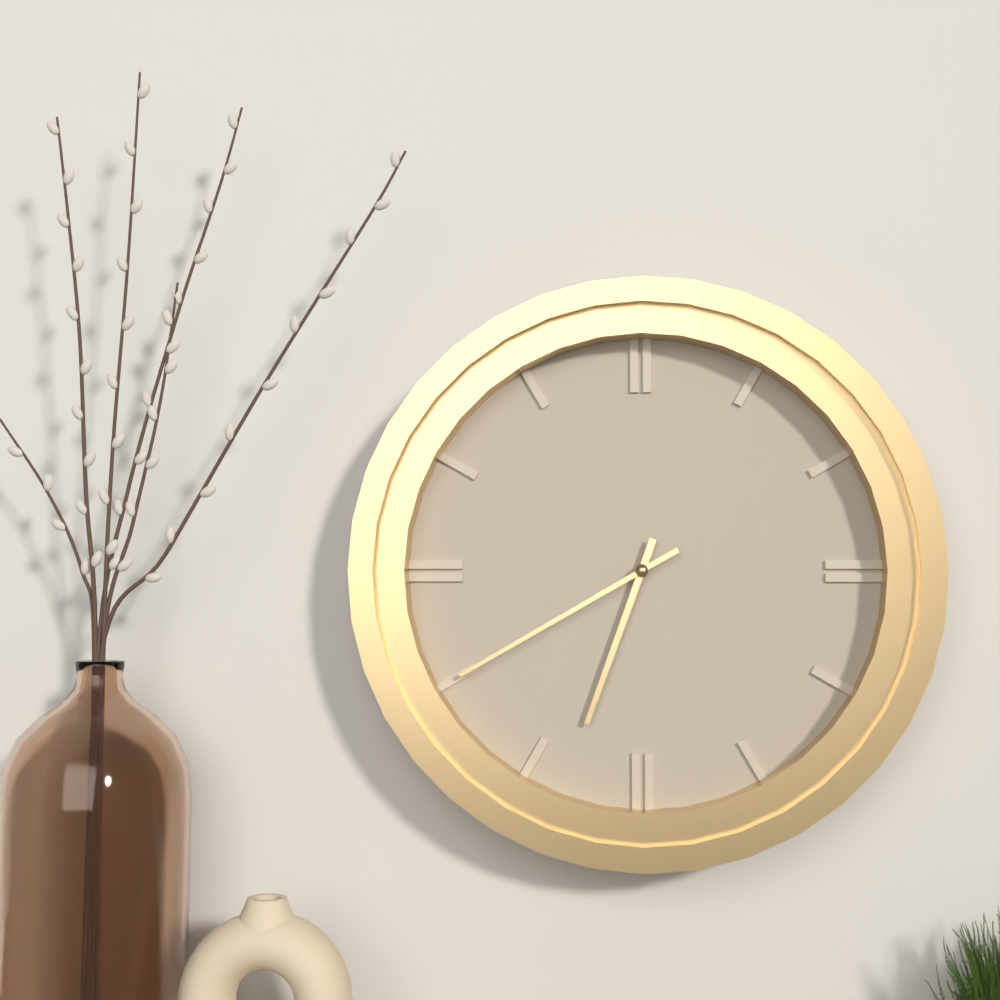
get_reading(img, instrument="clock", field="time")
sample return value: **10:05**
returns **6:40**
